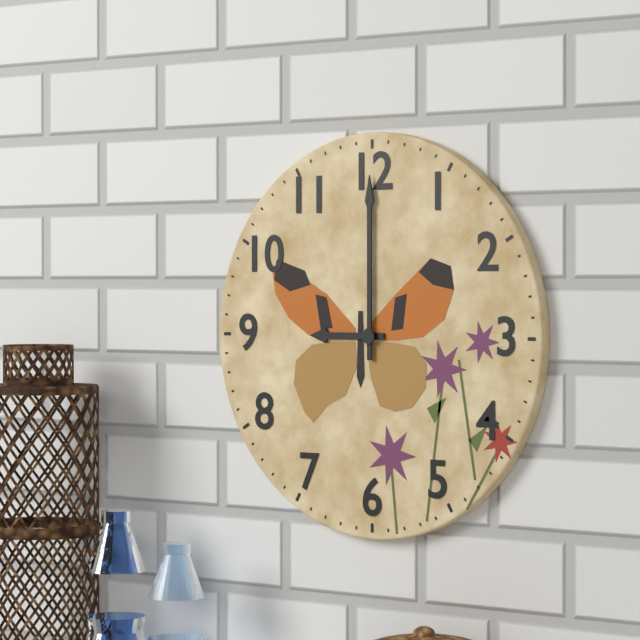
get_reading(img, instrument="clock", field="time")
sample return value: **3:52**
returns **9:00**
